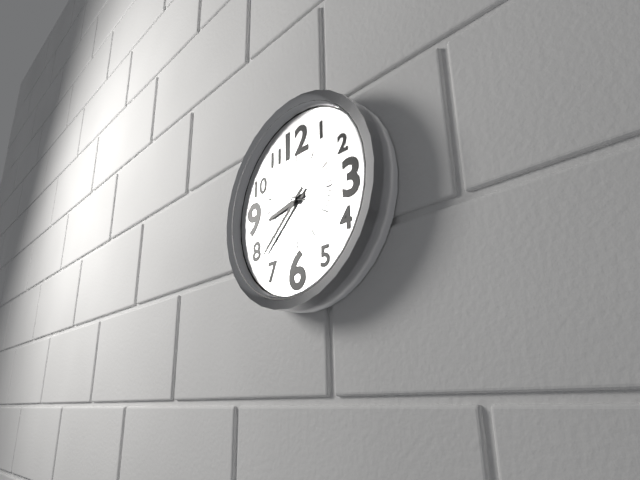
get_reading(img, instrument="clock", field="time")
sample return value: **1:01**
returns **8:38**
